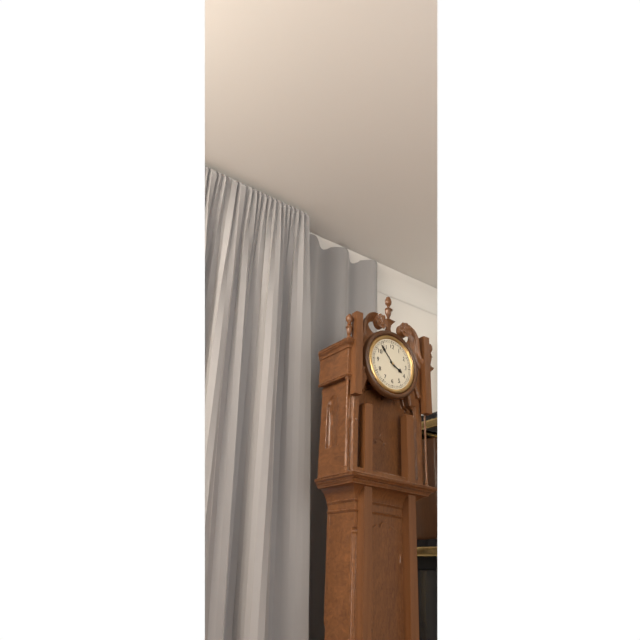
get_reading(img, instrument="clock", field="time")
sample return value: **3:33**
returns **3:53**
